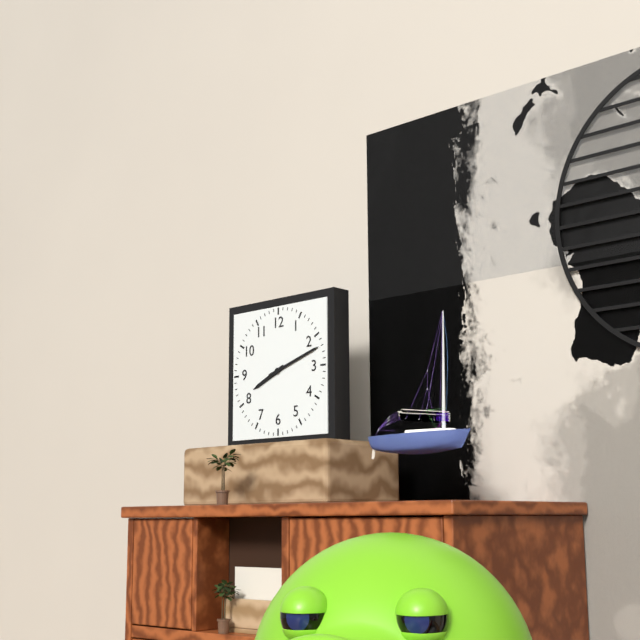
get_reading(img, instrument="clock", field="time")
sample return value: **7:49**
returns **8:12**
